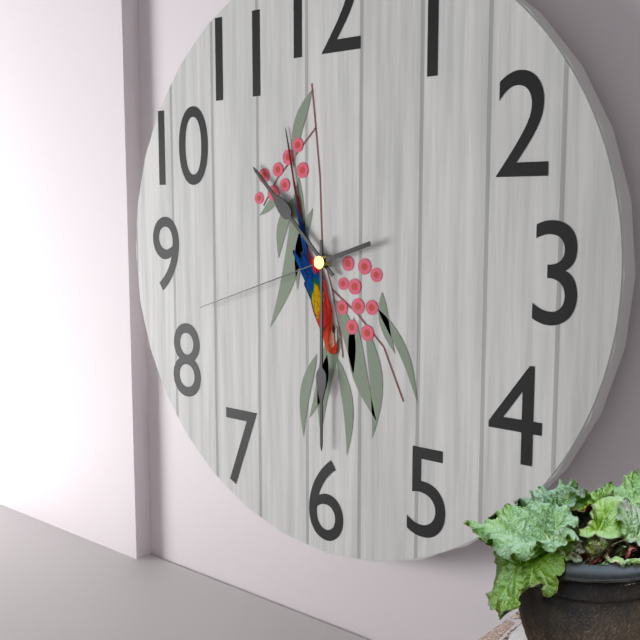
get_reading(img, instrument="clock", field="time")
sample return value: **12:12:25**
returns **10:30:42**
